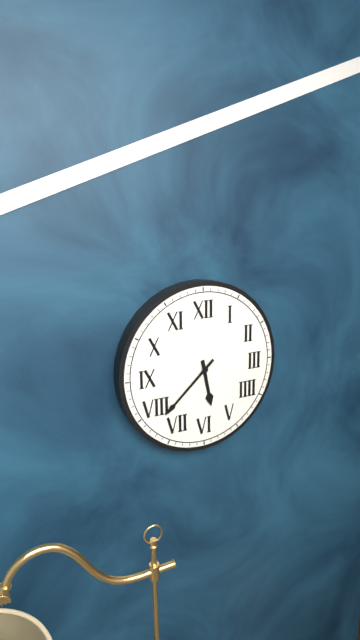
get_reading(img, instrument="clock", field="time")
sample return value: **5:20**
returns **5:38**
